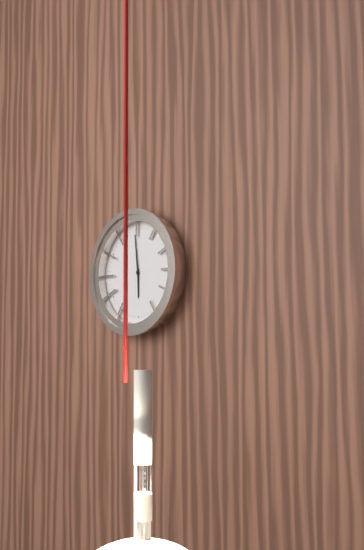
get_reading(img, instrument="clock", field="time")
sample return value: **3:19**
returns **5:59**
